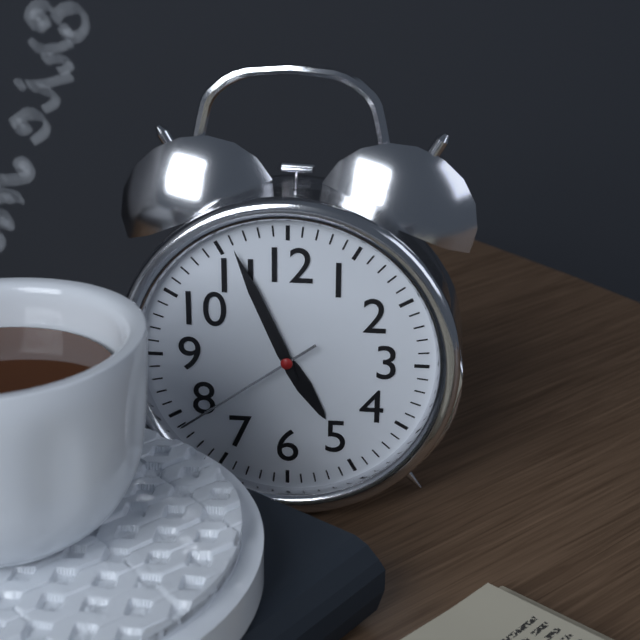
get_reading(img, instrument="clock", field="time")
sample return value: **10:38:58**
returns **4:56:39**
